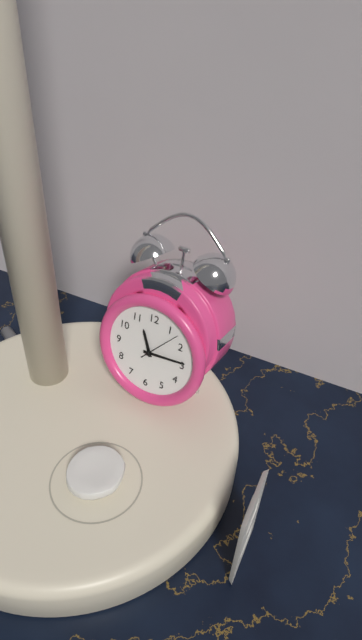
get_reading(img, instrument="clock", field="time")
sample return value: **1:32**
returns **11:14**
